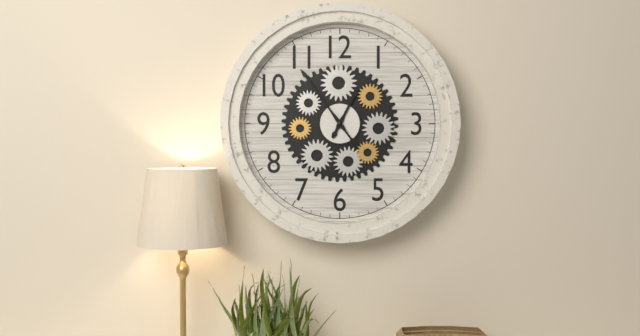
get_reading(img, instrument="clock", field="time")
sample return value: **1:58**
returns **12:54**
